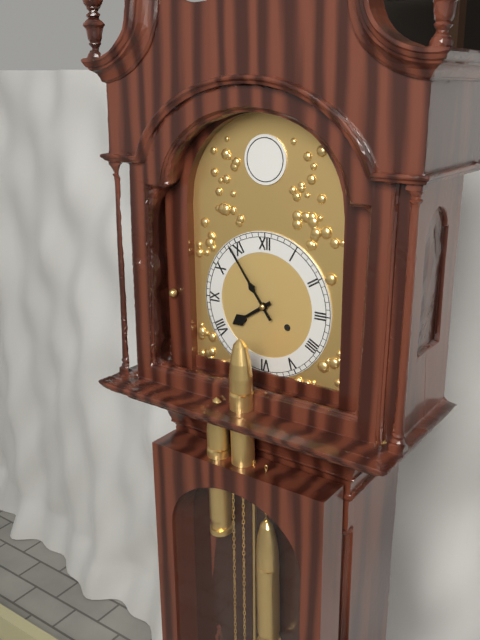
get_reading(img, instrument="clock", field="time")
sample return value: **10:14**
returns **7:54**
